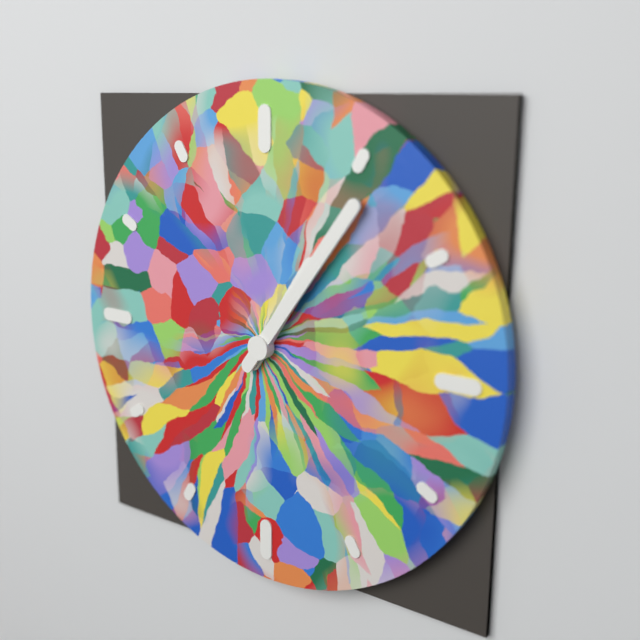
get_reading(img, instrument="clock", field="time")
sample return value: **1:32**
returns **1:06**
